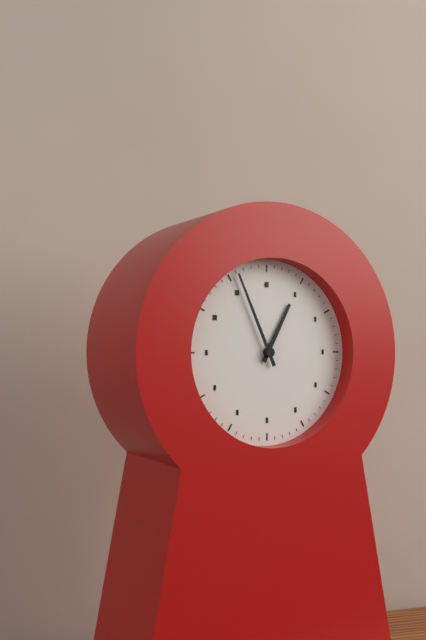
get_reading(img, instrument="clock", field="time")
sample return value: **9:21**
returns **12:56**
